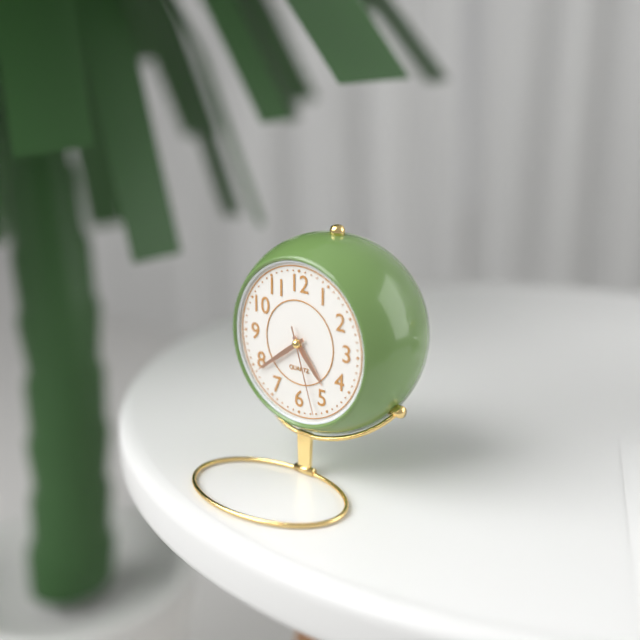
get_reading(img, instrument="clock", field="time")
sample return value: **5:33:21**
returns **4:39:27**
